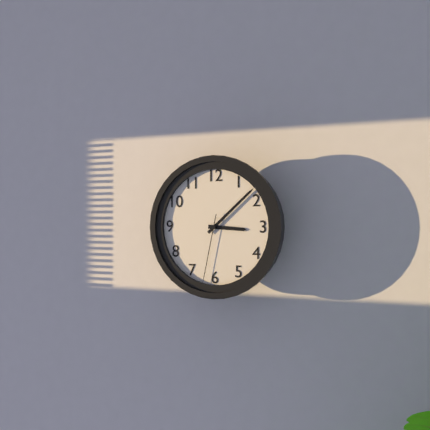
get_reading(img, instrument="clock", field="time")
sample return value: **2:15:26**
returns **3:08:32**
